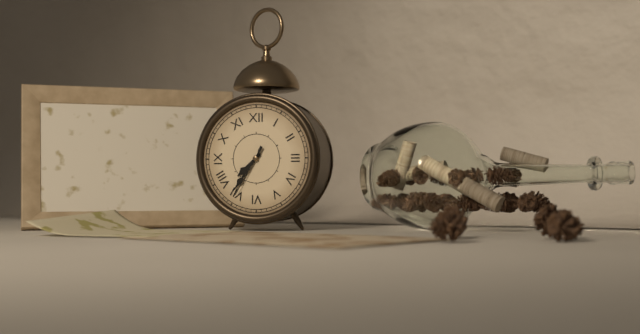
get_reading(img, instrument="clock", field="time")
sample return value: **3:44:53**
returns **7:36:35**
